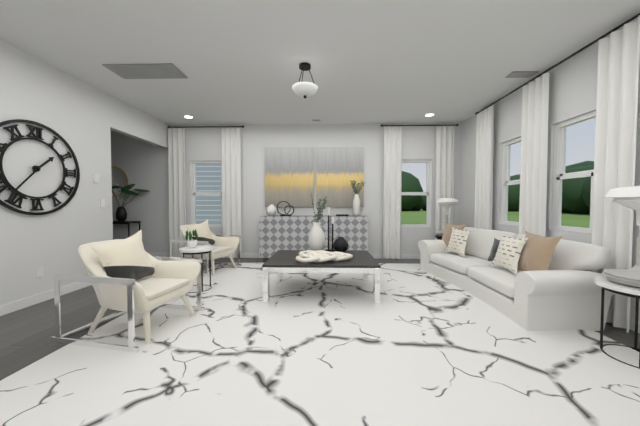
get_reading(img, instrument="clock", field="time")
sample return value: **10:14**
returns **1:37**
